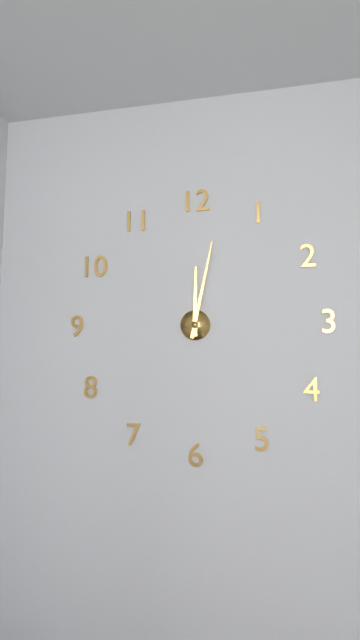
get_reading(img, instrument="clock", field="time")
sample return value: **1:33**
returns **12:02**
